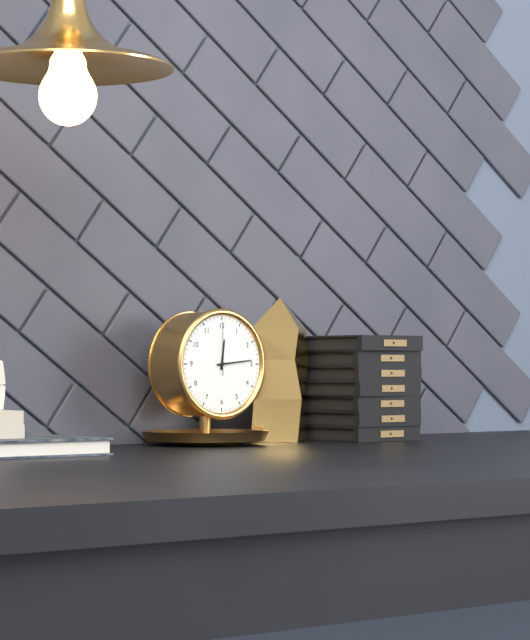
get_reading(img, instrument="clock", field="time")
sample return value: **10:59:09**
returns **12:14:00**
